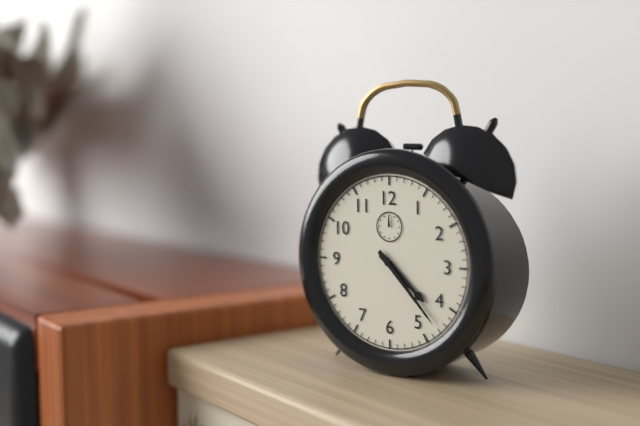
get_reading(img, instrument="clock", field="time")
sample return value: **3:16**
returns **4:23**
